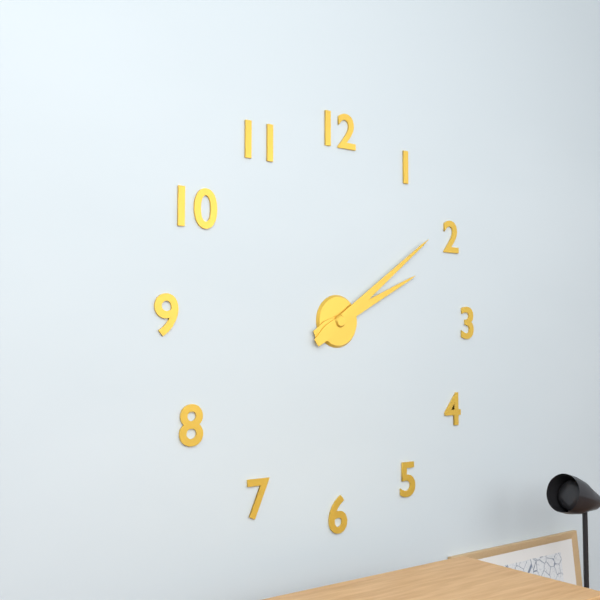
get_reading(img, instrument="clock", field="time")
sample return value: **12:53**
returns **2:09**
